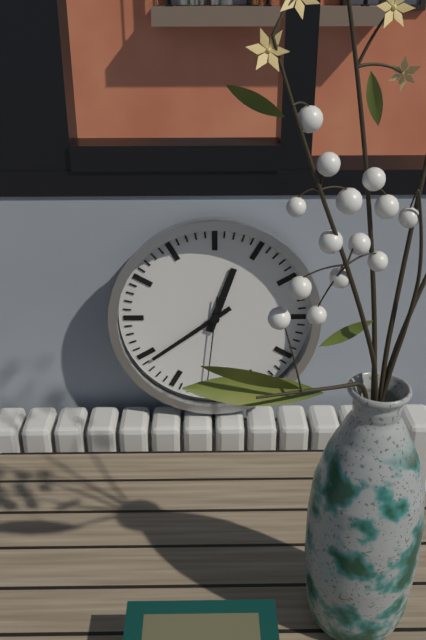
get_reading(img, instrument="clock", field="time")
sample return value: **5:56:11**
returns **12:39:31**
